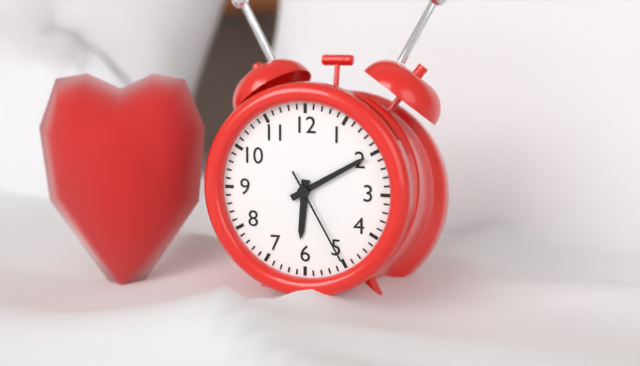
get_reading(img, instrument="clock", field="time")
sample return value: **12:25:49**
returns **6:10:25**
